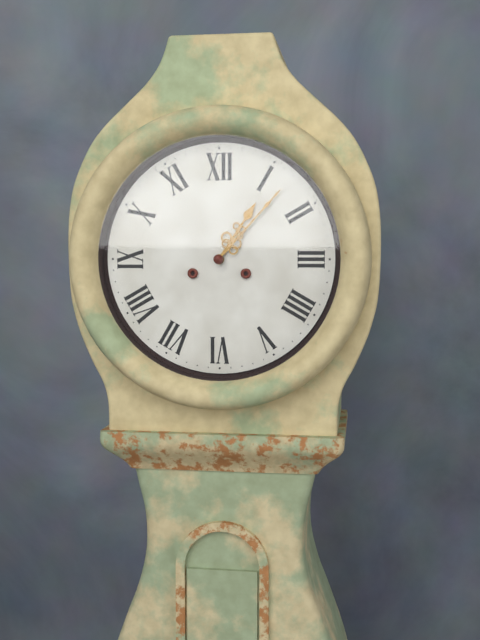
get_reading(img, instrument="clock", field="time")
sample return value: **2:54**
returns **1:07**
